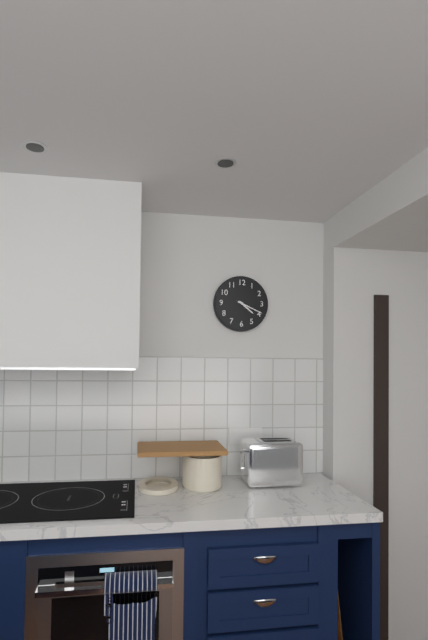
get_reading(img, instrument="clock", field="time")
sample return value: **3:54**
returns **4:19**
